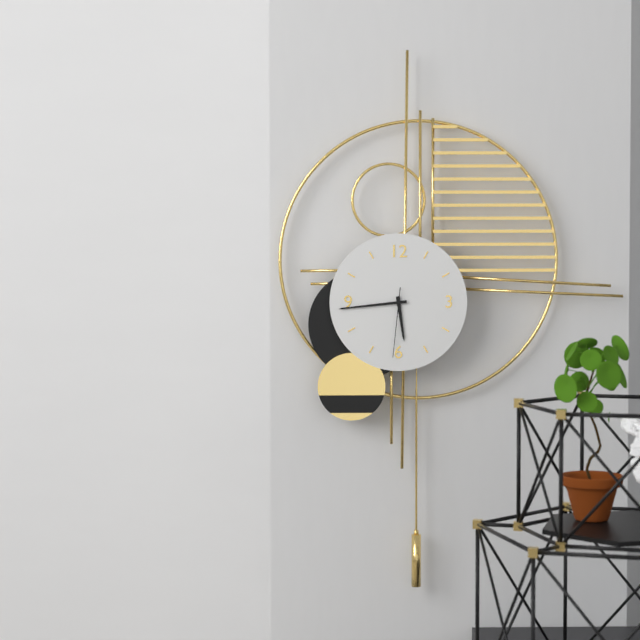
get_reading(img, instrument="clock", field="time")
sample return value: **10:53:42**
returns **5:44:31**
